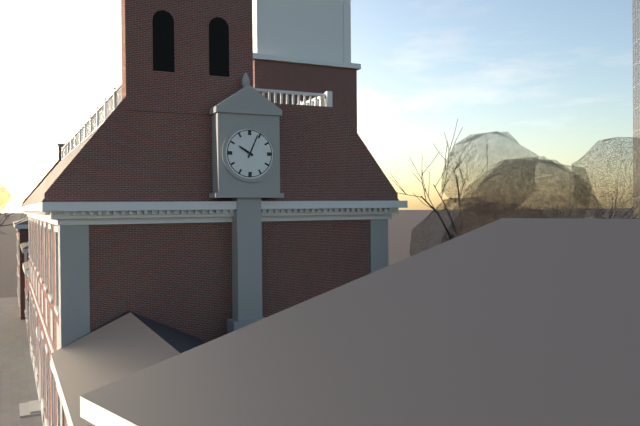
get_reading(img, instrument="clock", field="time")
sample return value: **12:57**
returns **10:04**
